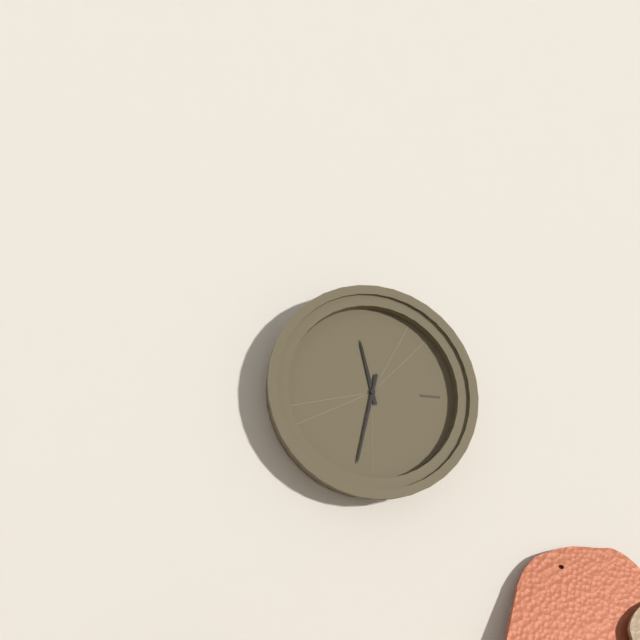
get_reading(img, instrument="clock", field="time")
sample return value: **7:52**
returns **11:32**
